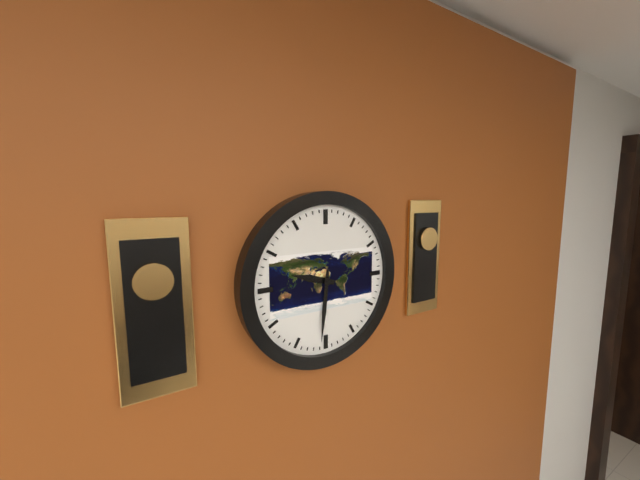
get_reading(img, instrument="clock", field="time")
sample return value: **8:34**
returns **9:31**
